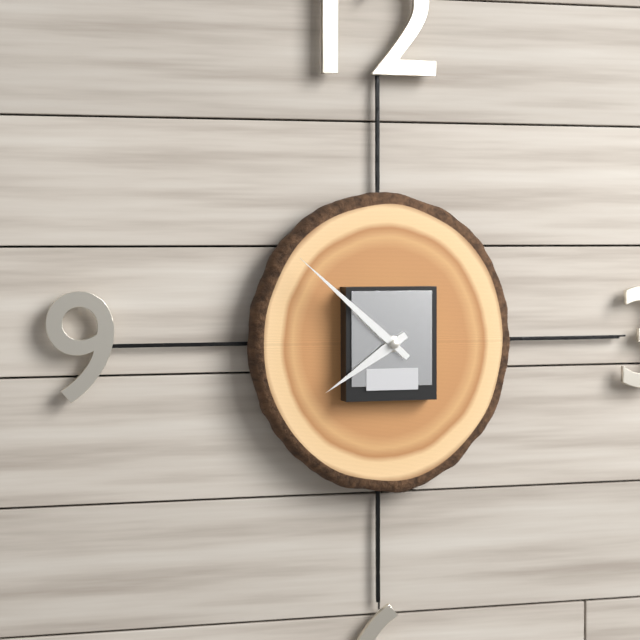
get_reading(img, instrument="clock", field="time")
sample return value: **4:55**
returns **7:52**
